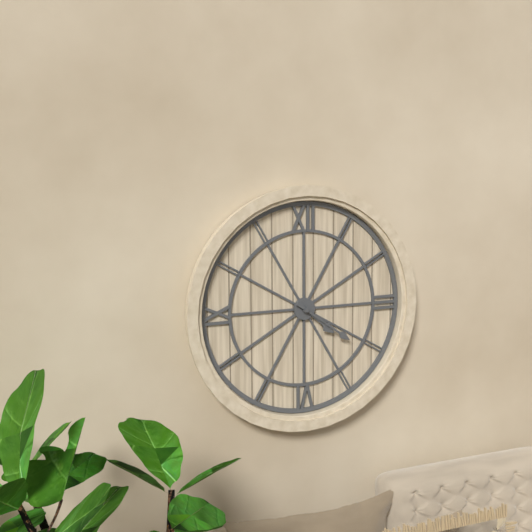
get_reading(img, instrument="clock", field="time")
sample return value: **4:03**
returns **4:21**
